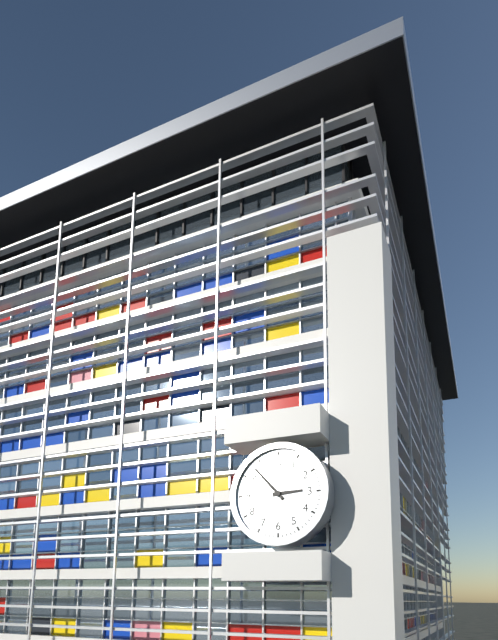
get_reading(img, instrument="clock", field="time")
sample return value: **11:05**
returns **2:53**
